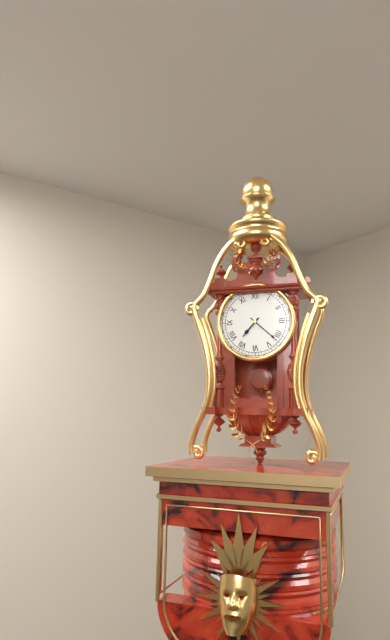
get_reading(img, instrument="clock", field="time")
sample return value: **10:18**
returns **7:22**
